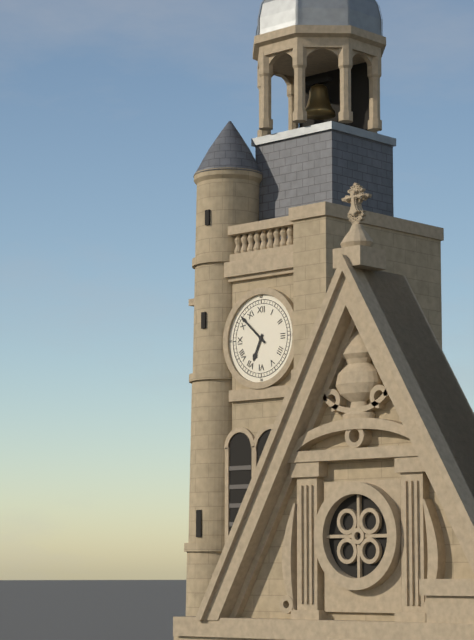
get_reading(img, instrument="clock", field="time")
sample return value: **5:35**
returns **6:52**
